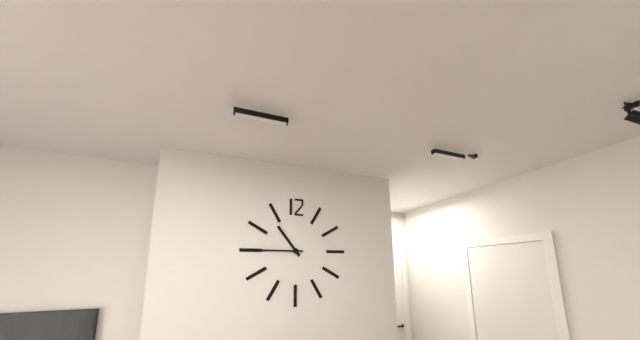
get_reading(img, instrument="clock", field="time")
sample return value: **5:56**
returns **10:45**
